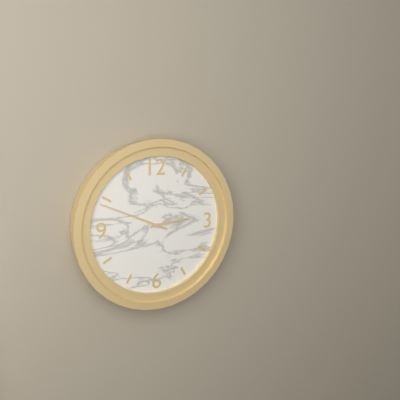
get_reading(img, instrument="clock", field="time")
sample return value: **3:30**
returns **2:49**
